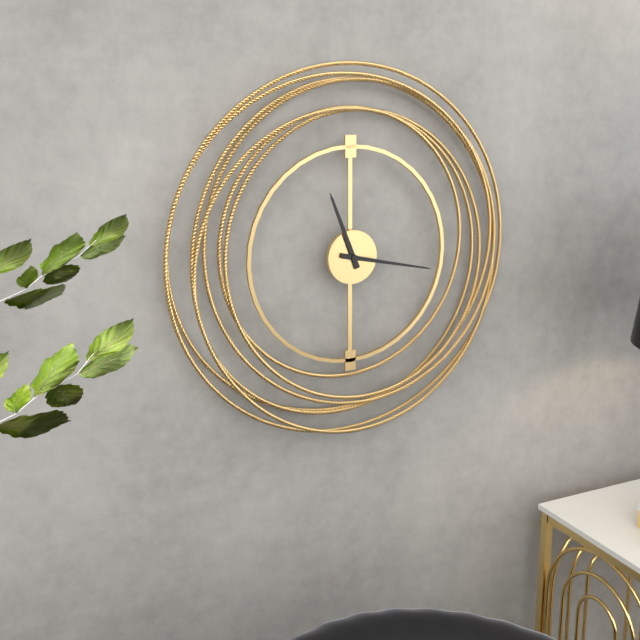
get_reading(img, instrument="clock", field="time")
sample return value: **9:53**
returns **11:17**
